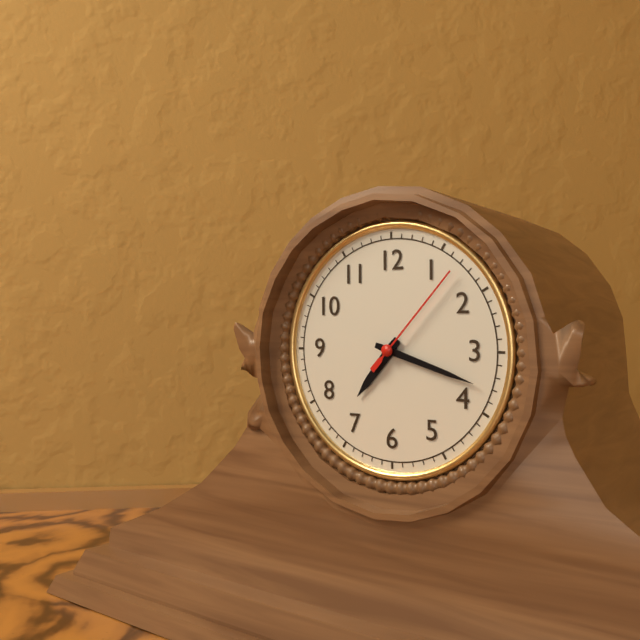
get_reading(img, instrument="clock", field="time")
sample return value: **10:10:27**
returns **7:18:07**
